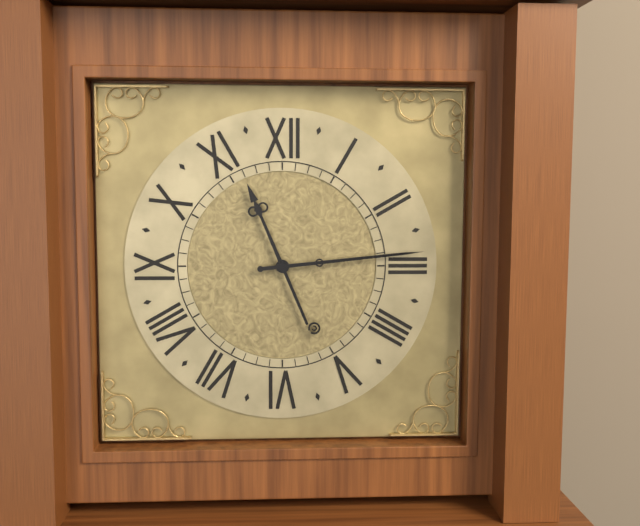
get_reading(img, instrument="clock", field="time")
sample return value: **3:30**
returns **11:14**
